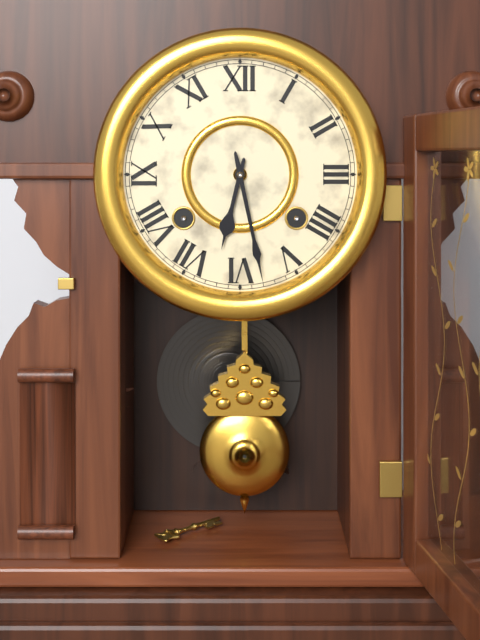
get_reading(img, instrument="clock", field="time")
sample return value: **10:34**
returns **6:28**
